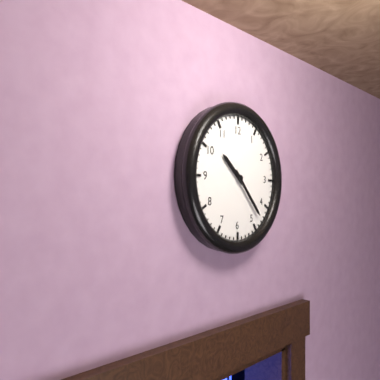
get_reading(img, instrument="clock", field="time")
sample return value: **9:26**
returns **10:23**
